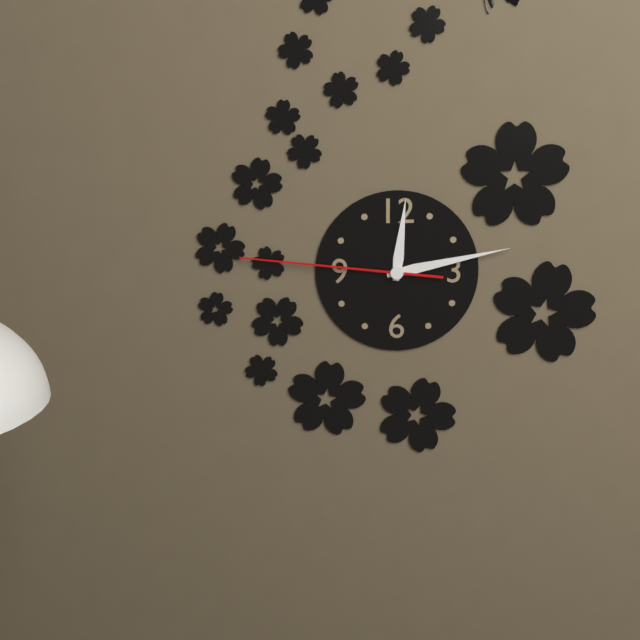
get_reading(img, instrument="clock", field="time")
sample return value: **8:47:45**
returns **12:13:46**
